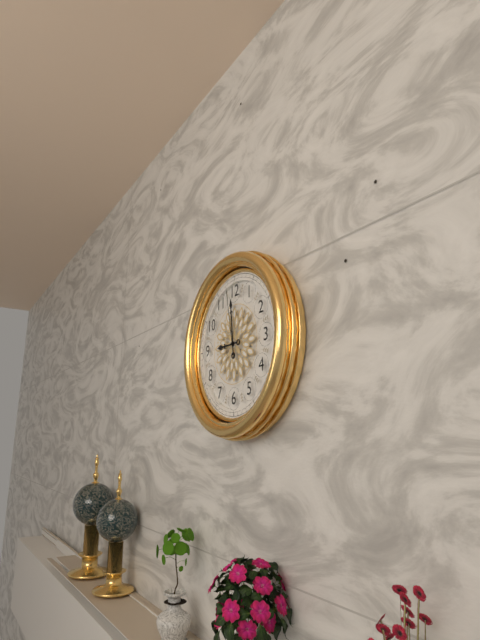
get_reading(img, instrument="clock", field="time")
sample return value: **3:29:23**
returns **8:59:58**
